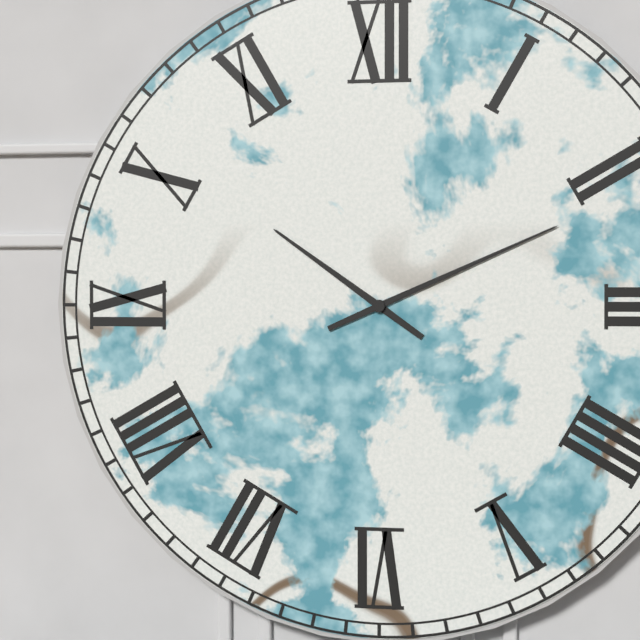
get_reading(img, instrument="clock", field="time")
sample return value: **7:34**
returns **10:11**
